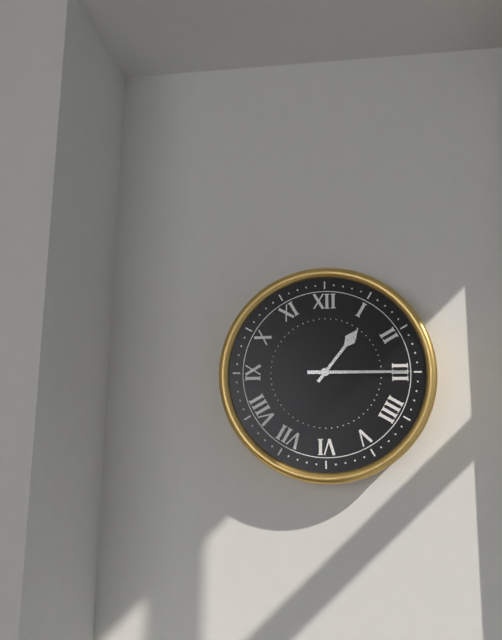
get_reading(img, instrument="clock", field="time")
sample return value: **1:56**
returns **1:15**
